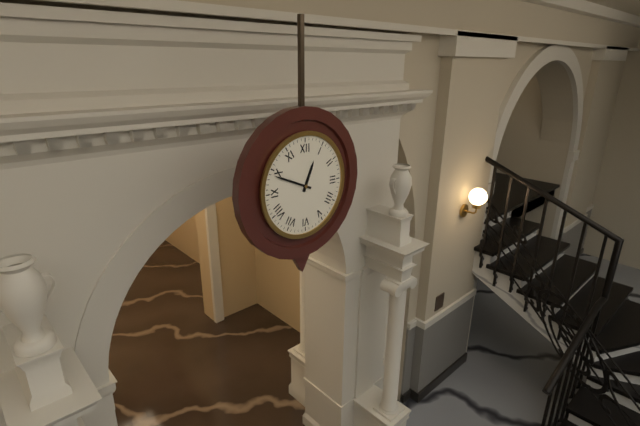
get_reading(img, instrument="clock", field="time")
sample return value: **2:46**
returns **12:49**
